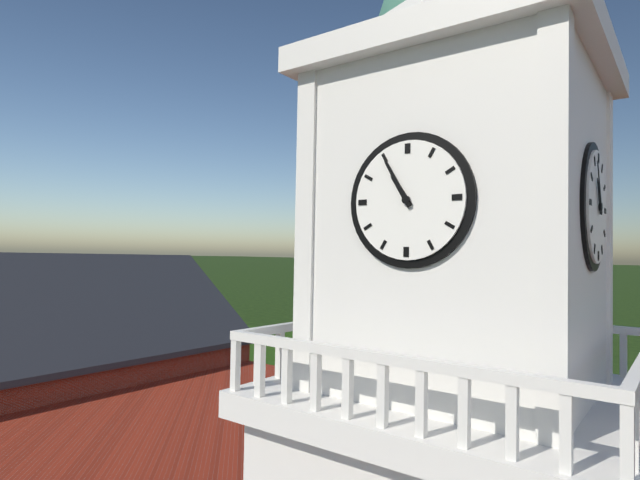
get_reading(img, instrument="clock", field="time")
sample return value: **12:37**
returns **10:55**
